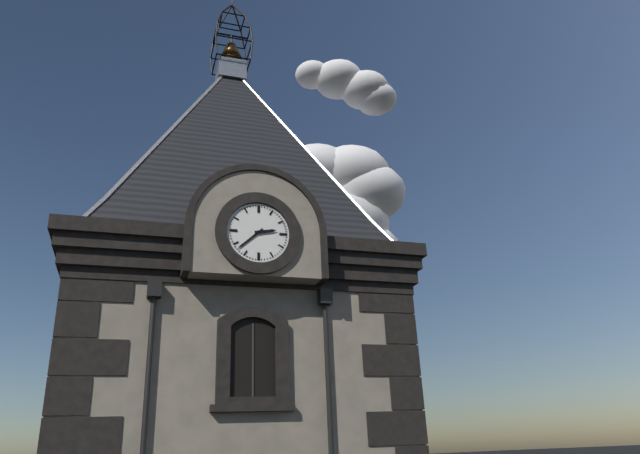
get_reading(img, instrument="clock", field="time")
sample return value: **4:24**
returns **2:38**
